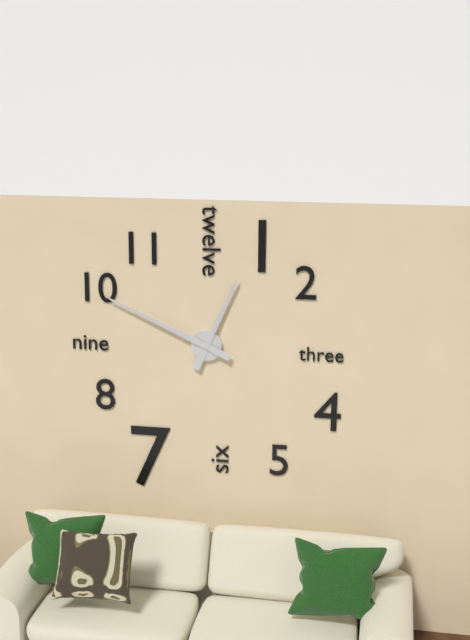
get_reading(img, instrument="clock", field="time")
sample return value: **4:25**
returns **12:49**
